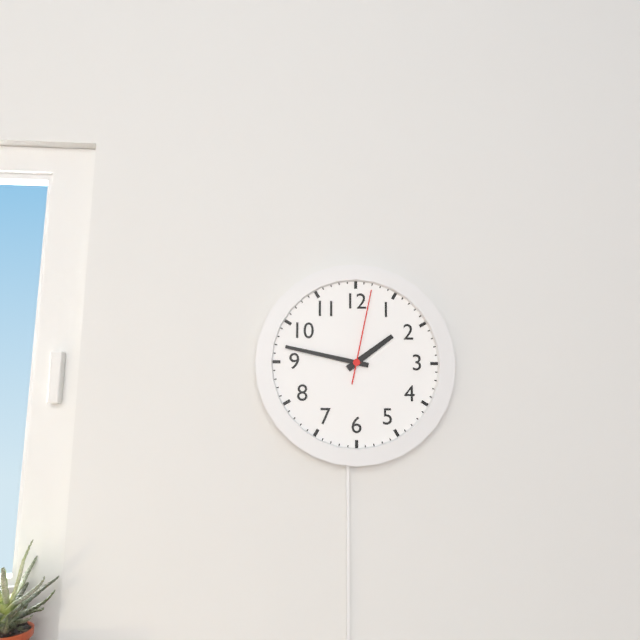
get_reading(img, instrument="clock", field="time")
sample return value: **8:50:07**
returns **1:47:02**
